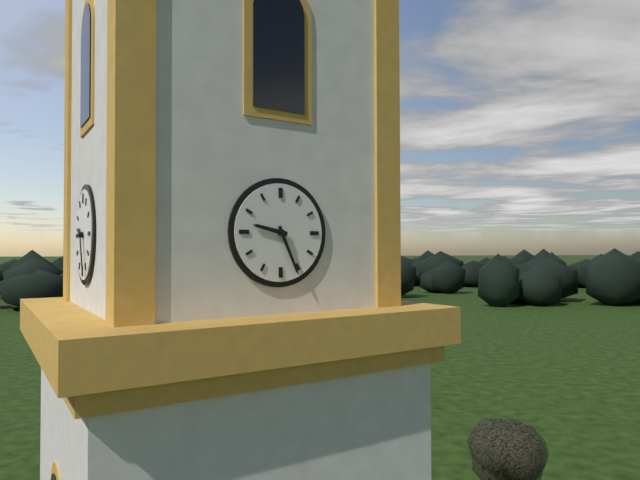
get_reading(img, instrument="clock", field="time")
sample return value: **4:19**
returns **9:26**
